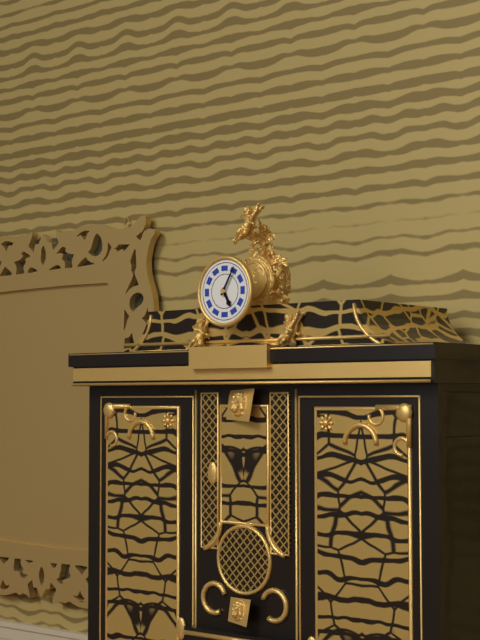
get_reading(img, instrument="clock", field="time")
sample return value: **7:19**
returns **5:05**
